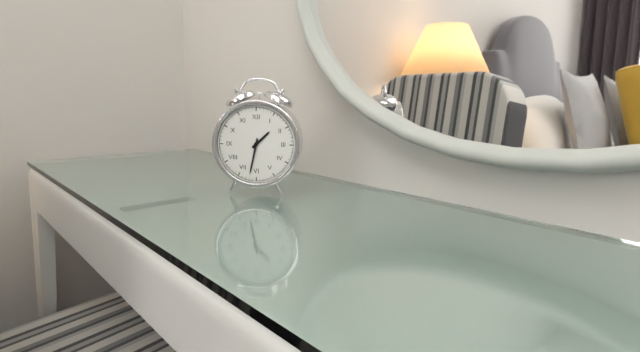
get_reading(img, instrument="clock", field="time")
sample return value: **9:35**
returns **1:32**
